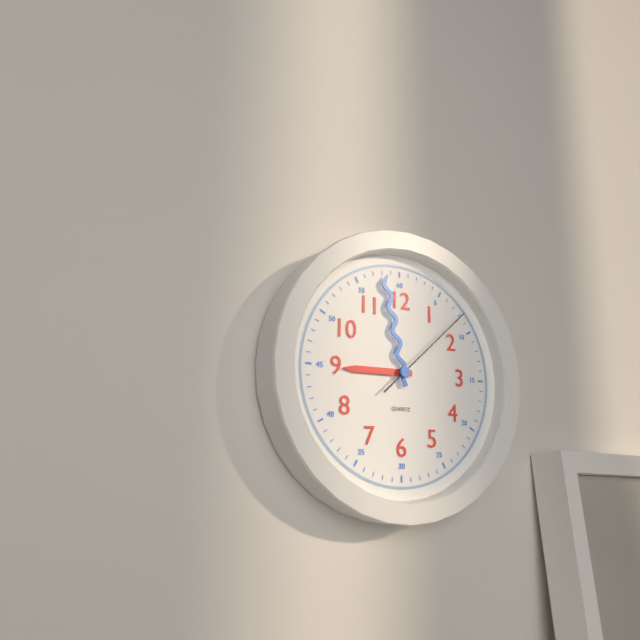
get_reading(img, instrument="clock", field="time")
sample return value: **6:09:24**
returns **8:58:08**
